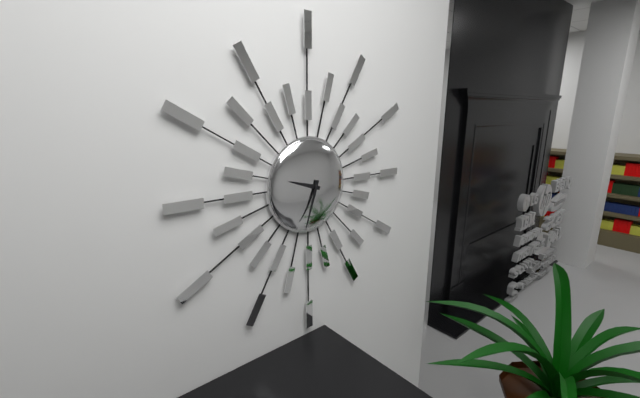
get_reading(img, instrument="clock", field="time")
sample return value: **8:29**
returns **9:33**
